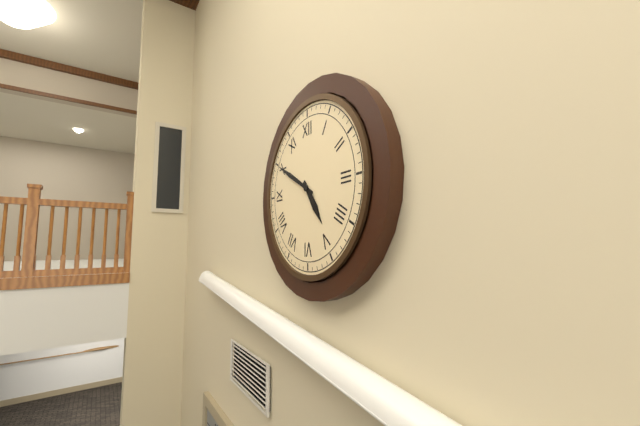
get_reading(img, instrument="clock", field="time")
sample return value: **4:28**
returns **4:50**
